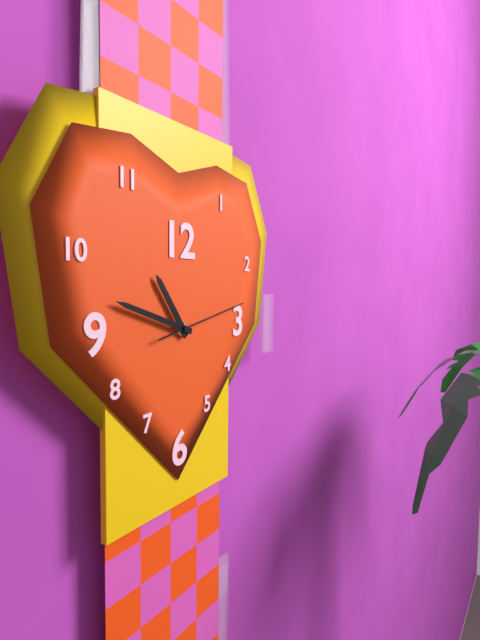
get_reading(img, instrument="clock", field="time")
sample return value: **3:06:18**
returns **10:48:13**
